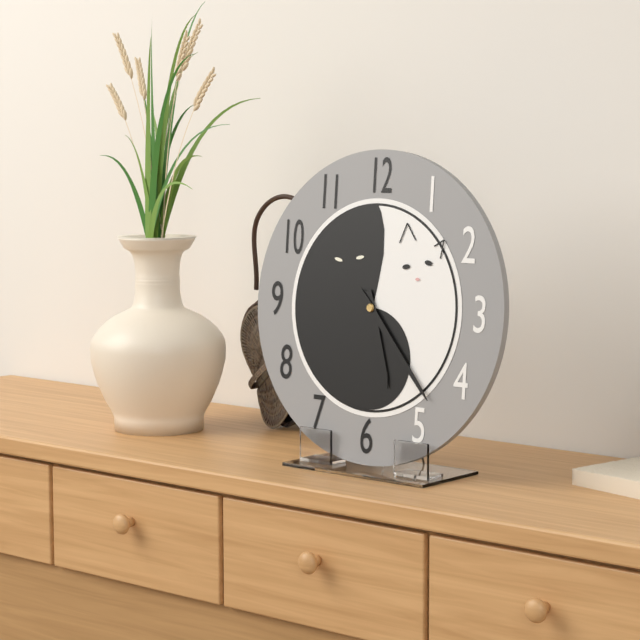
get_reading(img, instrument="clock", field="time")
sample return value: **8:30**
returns **5:23**
